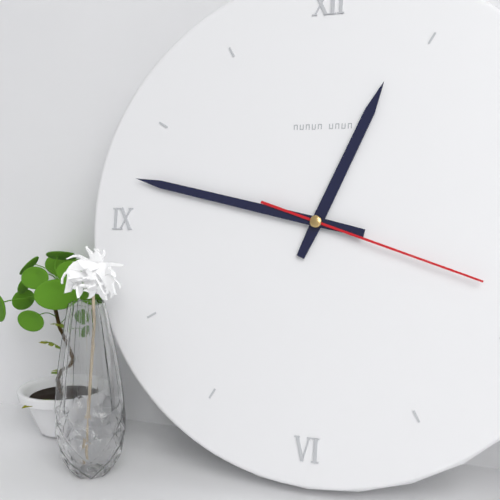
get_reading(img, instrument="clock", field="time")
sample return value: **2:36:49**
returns **12:47:18**
